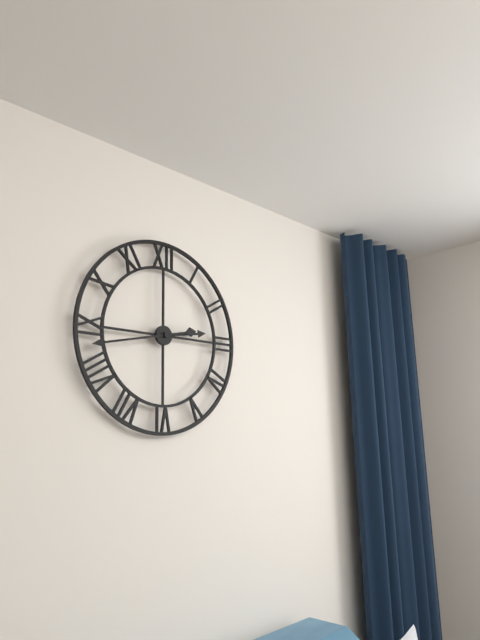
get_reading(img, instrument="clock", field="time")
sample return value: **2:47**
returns **2:43**
